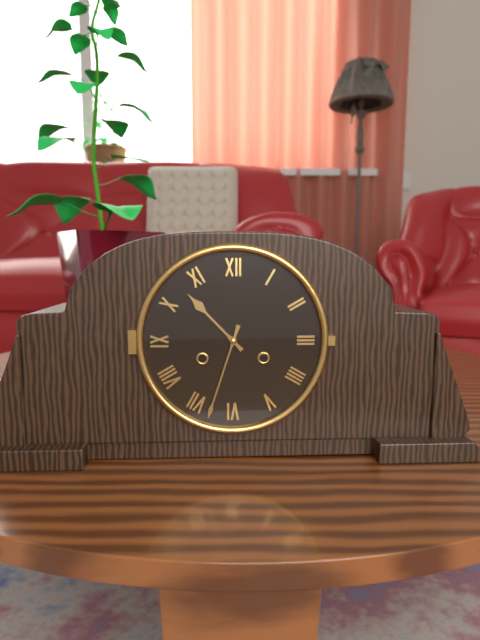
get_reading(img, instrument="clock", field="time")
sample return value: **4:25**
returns **10:33**
